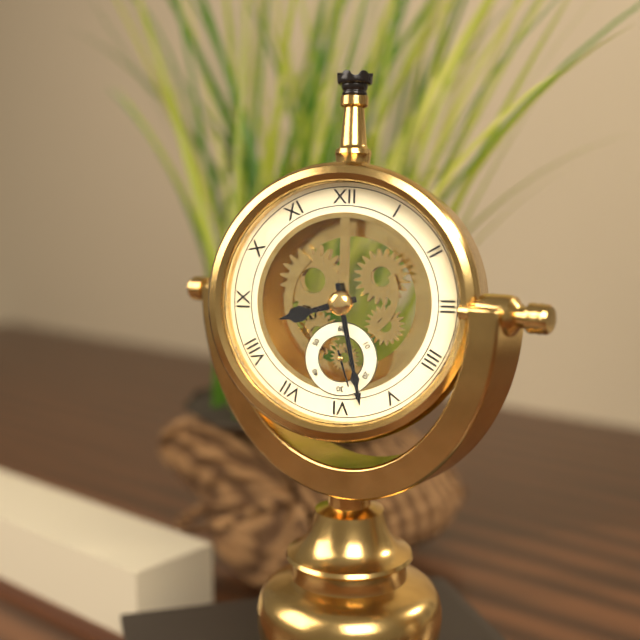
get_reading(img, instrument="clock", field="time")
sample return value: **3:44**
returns **8:28**
